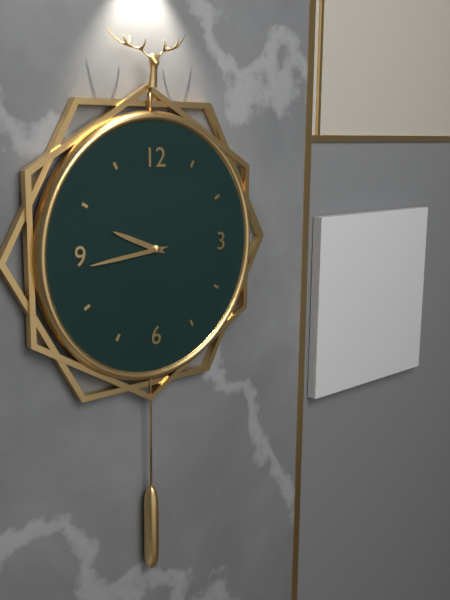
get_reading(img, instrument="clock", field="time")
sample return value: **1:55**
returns **9:44**
